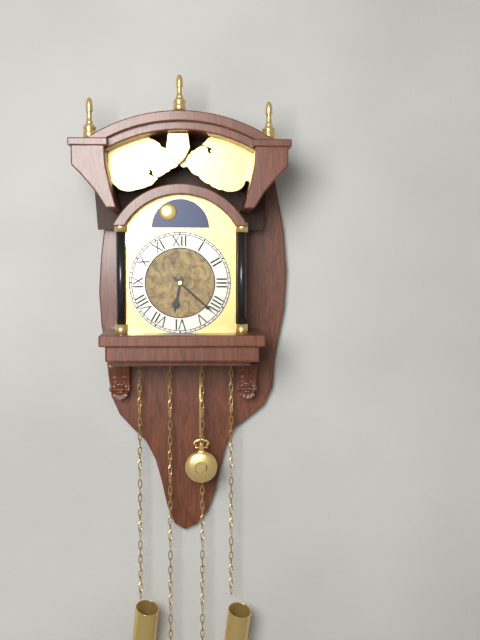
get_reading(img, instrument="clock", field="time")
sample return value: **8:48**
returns **6:22**
